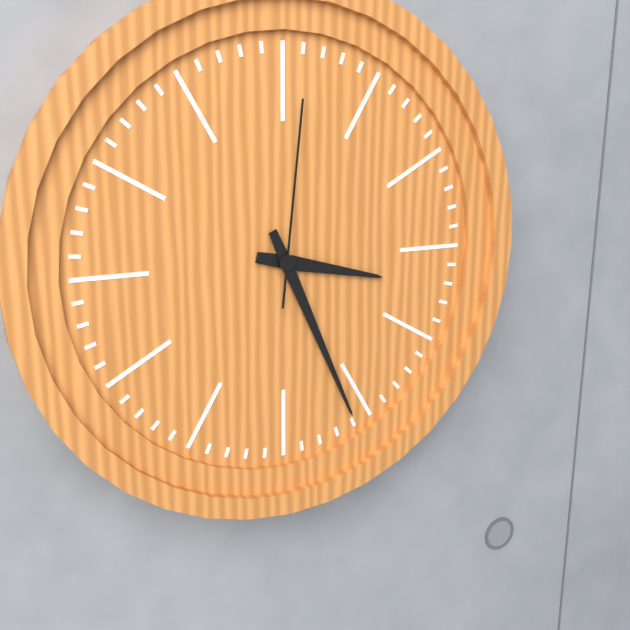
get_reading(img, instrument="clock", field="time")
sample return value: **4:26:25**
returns **3:26:01**
